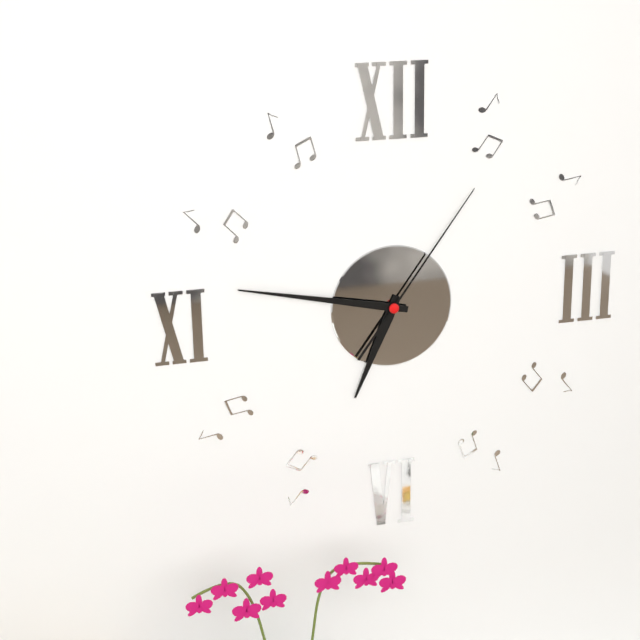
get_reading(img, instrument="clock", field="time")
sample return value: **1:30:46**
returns **6:47:06**
